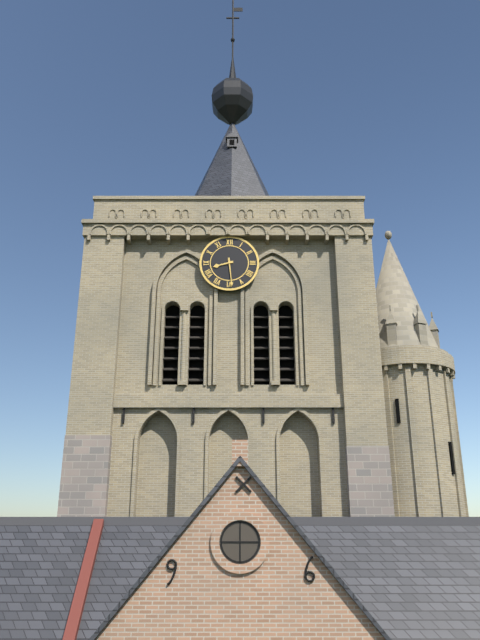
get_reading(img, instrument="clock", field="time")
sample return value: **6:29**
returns **8:29**
